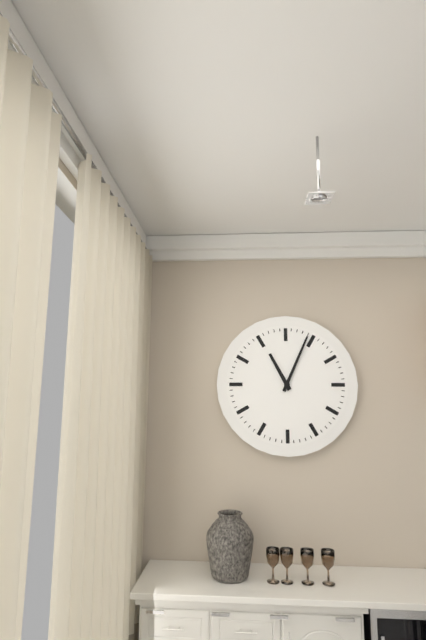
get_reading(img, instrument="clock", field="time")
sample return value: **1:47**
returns **11:04**
